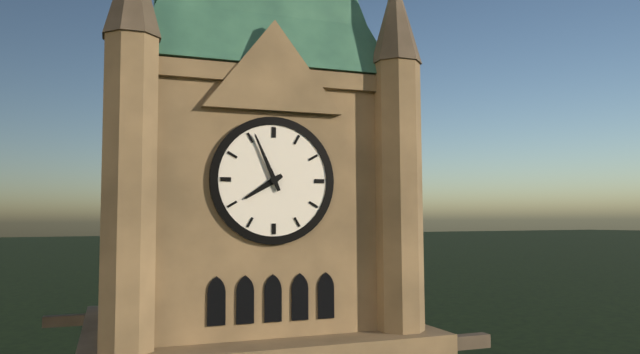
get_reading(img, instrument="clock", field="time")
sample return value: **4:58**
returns **7:56**
